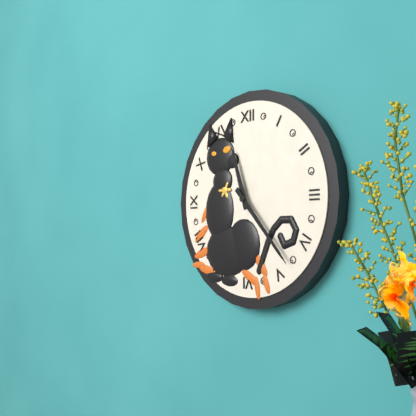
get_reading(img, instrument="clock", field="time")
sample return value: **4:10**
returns **11:23**
